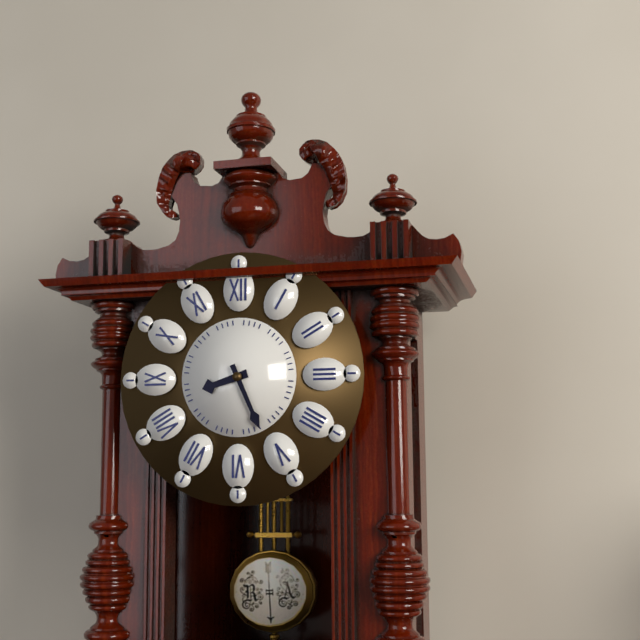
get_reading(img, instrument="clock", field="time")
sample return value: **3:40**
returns **8:26**
